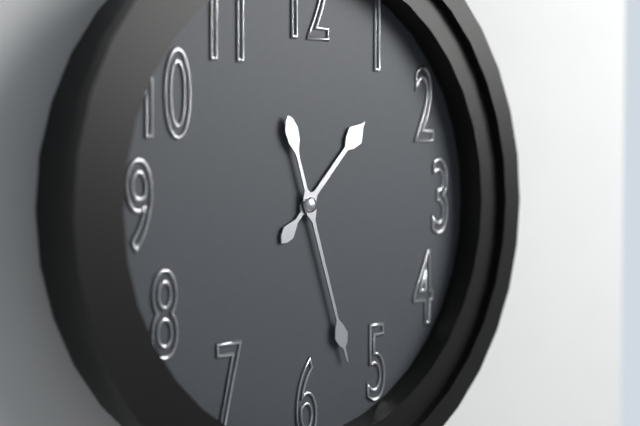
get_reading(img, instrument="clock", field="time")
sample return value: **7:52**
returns **1:27**
